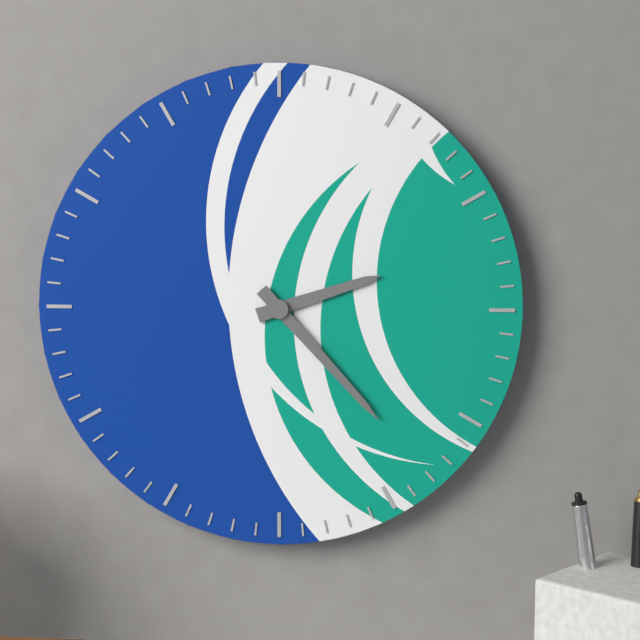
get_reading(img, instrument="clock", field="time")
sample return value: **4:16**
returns **2:23**
